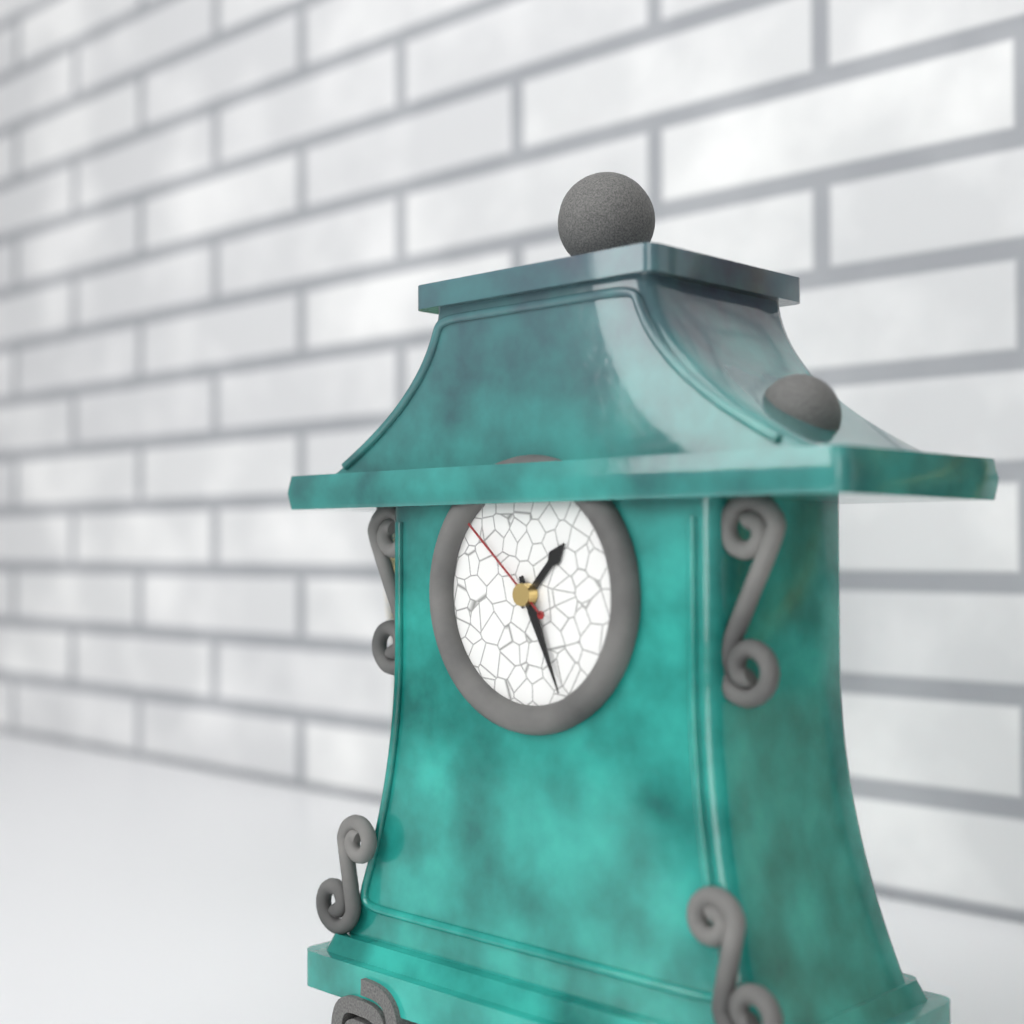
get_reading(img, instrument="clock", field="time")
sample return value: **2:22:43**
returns **1:26:52**
